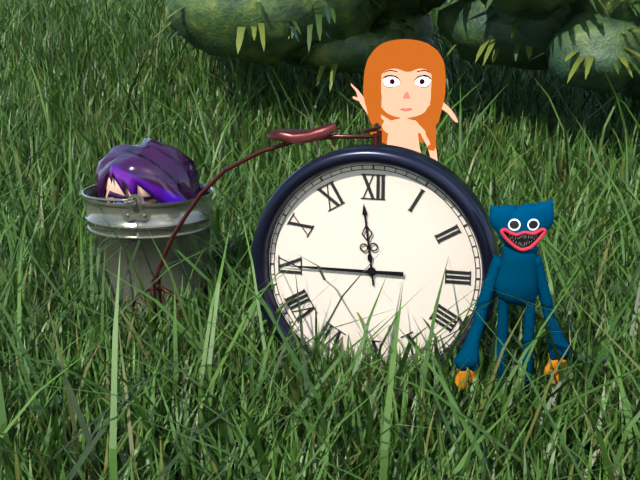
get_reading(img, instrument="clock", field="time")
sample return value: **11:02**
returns **11:45**
